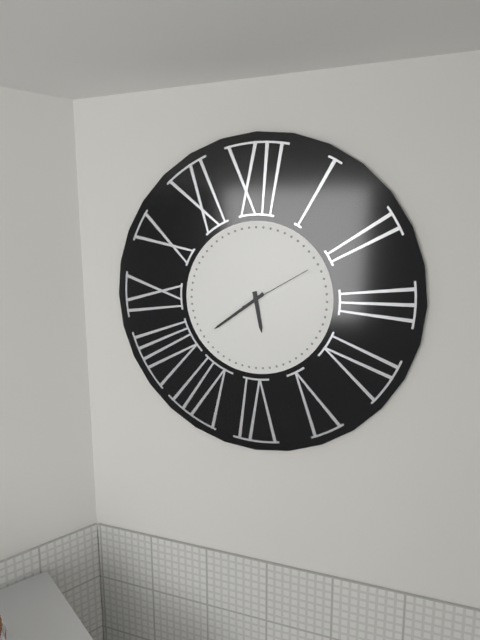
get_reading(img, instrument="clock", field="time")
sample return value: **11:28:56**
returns **5:39:10**
